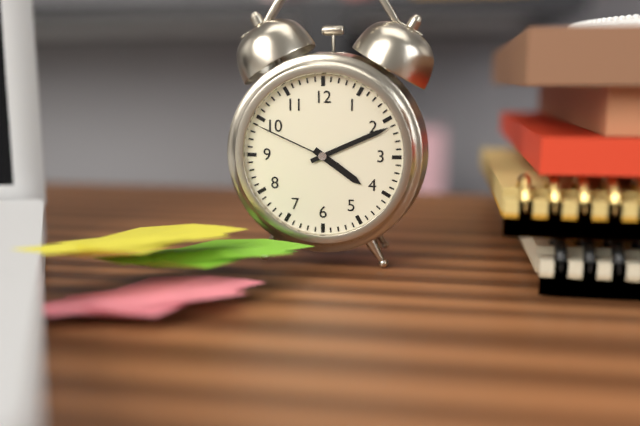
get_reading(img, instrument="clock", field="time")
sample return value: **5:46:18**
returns **4:11:49**
